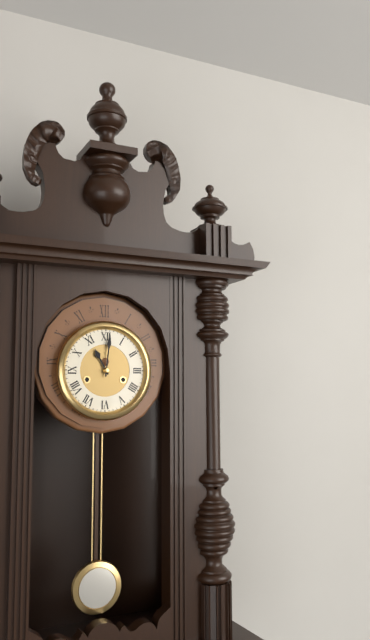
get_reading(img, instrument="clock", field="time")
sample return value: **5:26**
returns **11:01**
